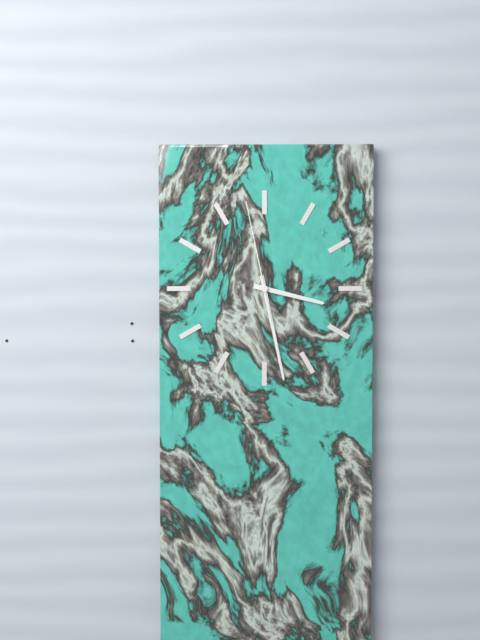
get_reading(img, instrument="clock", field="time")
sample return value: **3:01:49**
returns **3:28:58**
